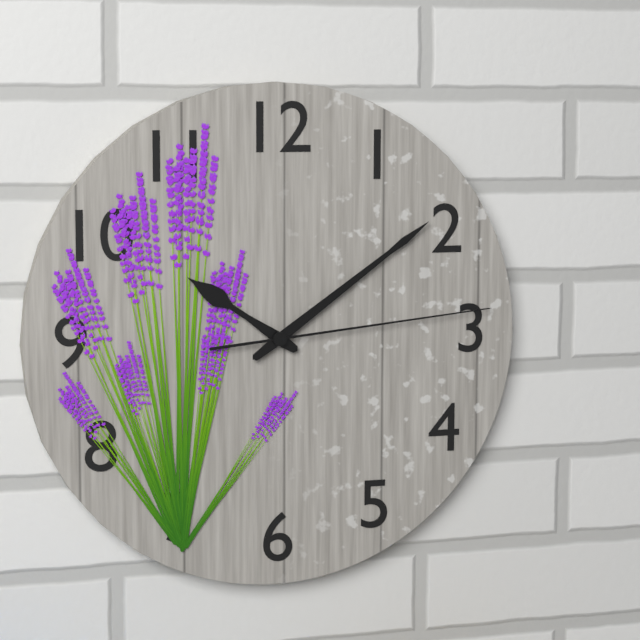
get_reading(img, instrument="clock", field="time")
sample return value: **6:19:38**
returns **10:09:14**
